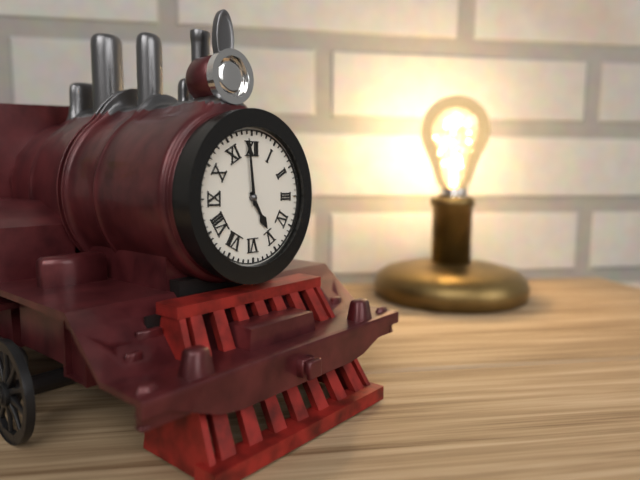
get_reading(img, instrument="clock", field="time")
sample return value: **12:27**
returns **4:59**
